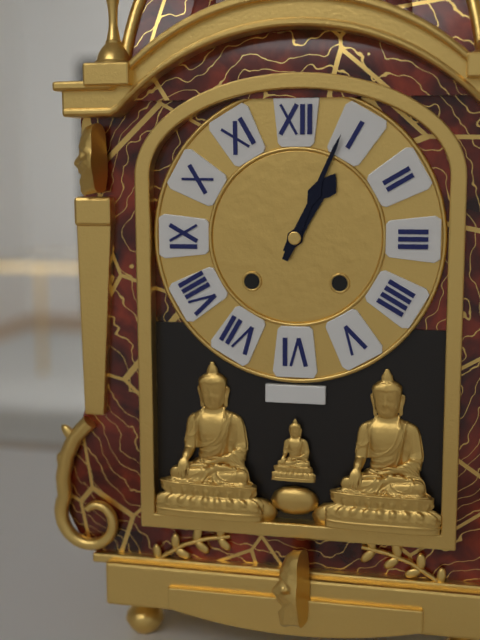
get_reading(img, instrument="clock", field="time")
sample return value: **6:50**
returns **1:04**
